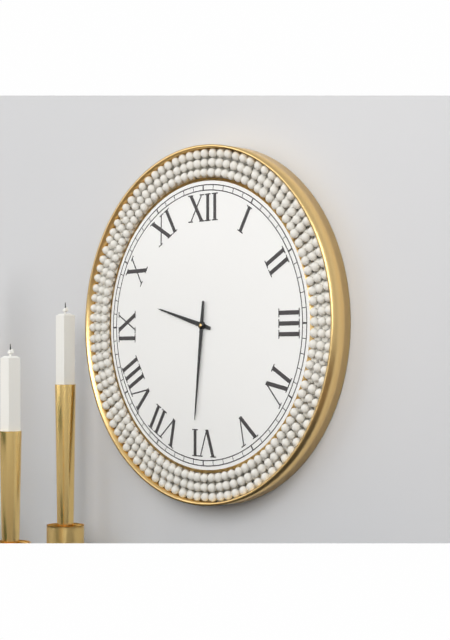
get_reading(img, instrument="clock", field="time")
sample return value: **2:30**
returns **9:31**
